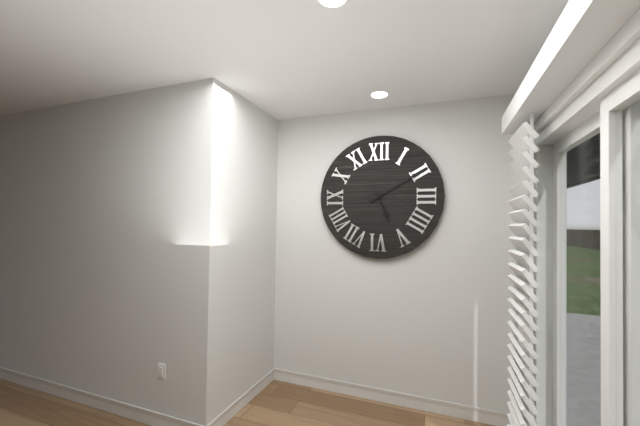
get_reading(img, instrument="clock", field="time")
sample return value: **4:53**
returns **5:10**
